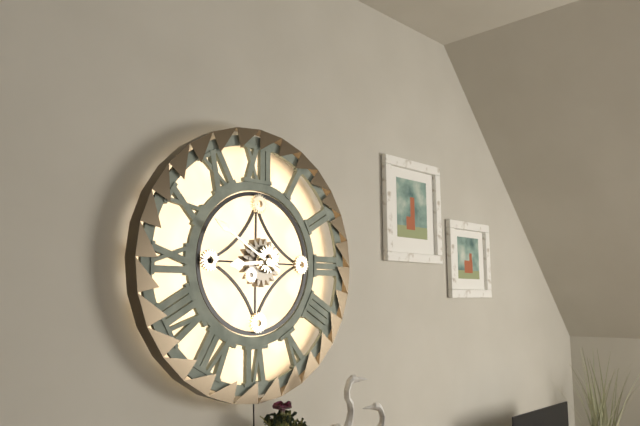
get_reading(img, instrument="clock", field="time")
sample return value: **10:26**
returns **8:50**
